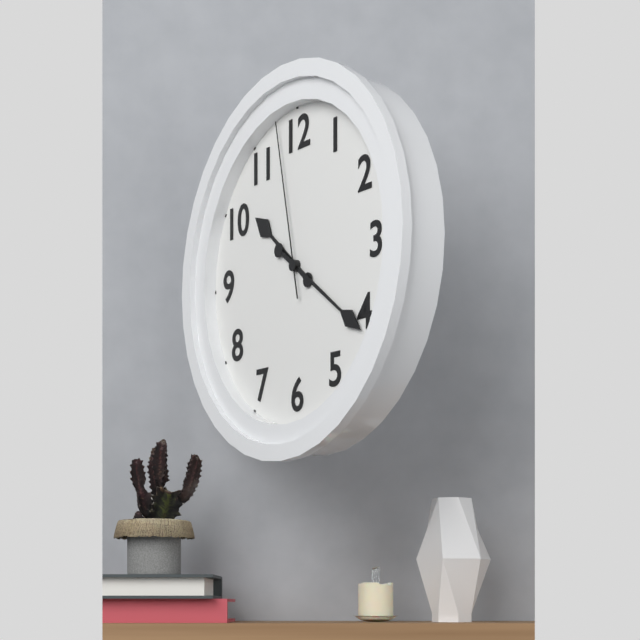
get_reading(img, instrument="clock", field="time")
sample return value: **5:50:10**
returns **10:21:58**
